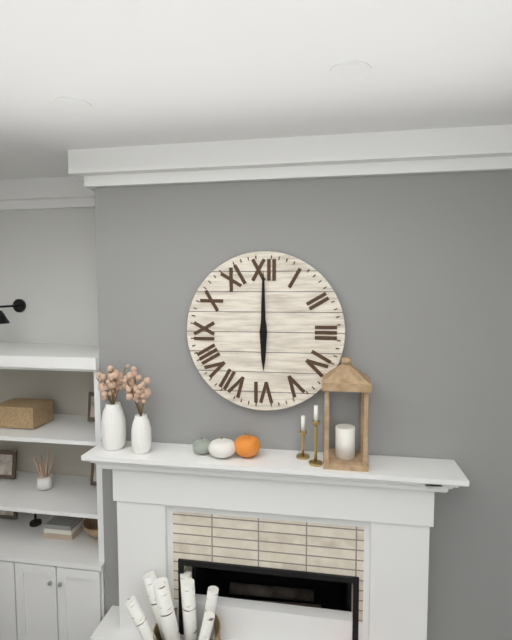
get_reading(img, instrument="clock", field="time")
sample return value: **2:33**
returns **6:00**
